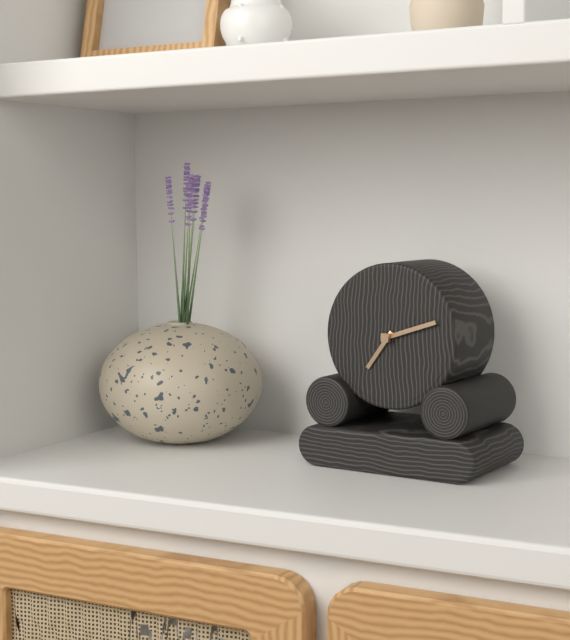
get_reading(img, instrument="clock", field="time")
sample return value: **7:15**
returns **7:12**
